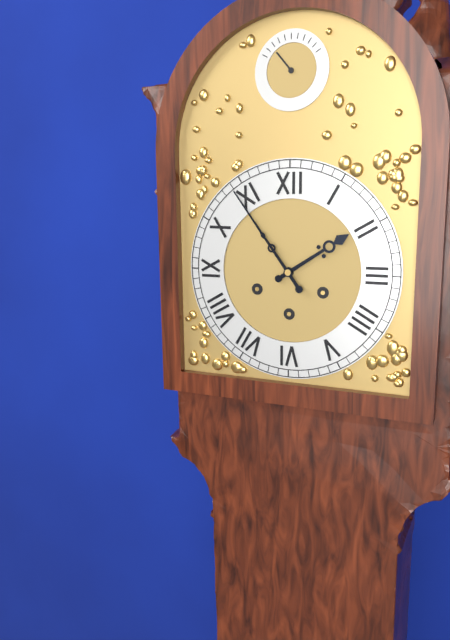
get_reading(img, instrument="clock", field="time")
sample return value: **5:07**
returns **1:54**
